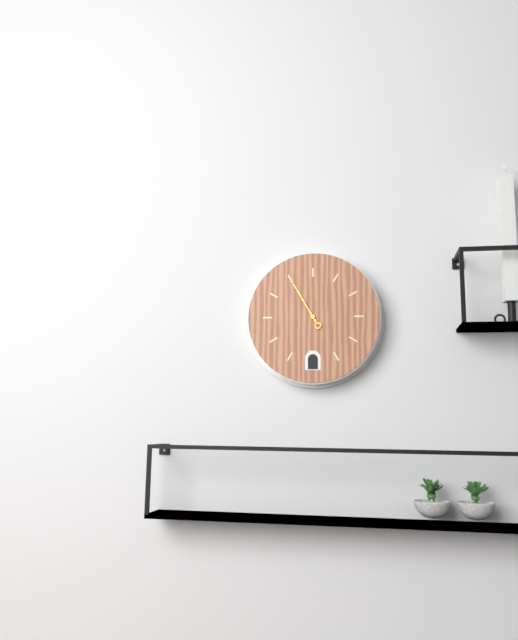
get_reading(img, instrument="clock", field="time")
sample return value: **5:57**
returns **10:55**
